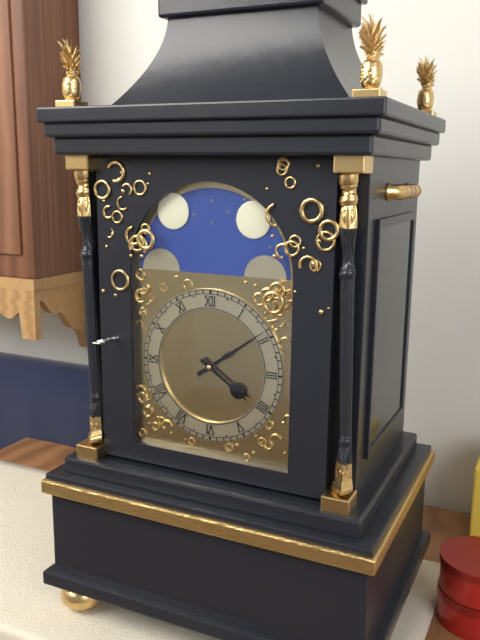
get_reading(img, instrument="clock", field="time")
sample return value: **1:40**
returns **4:09**
